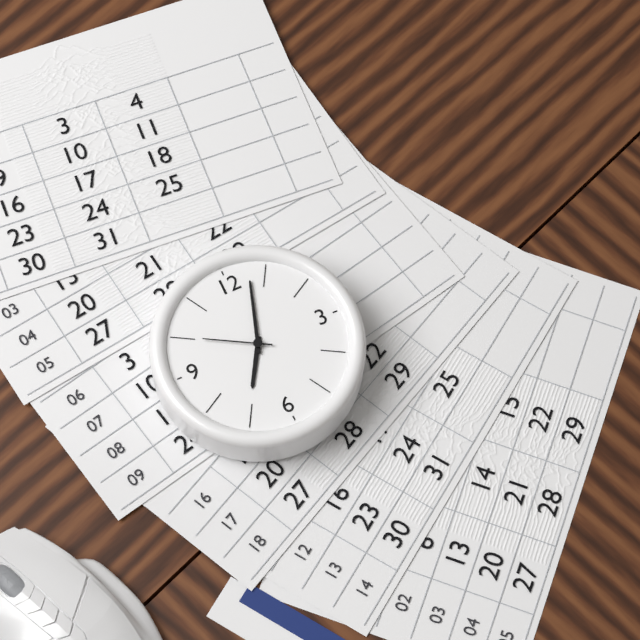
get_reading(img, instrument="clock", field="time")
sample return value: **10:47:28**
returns **7:03:50**
